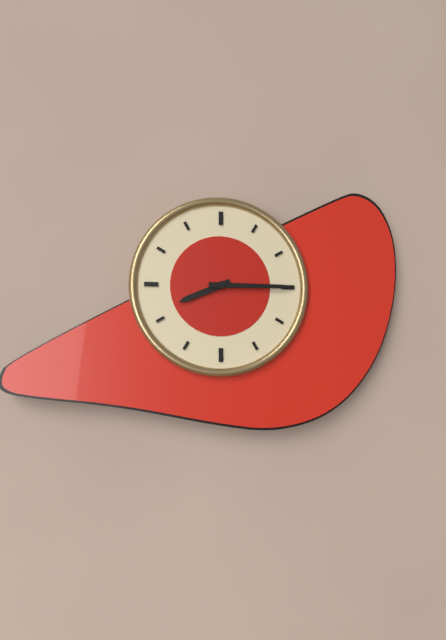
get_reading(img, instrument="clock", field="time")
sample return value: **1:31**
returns **8:15**
